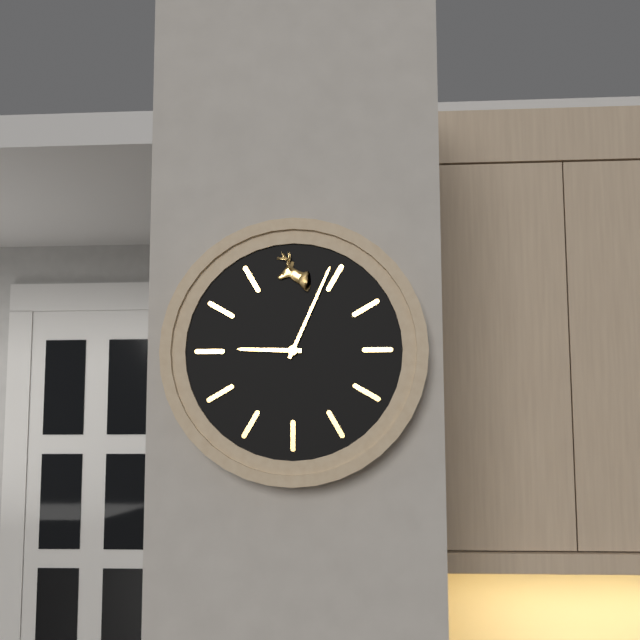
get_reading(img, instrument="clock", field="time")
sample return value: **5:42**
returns **9:04**
